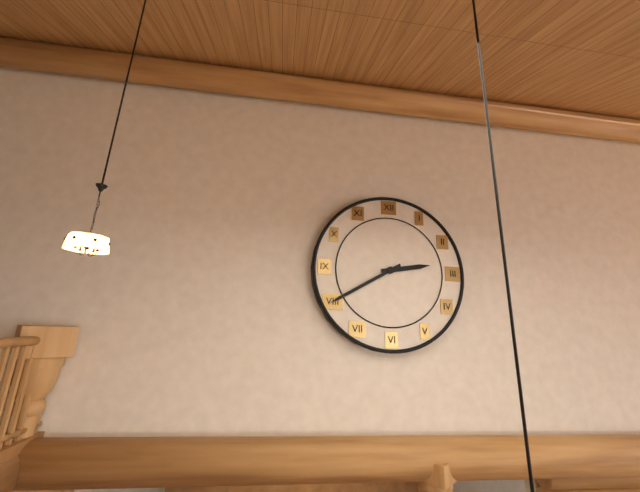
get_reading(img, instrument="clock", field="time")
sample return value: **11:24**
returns **2:40**
